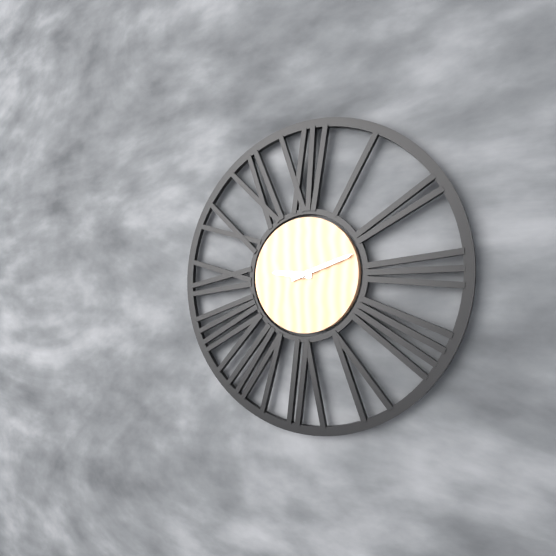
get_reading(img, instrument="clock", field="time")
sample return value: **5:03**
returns **9:12**
